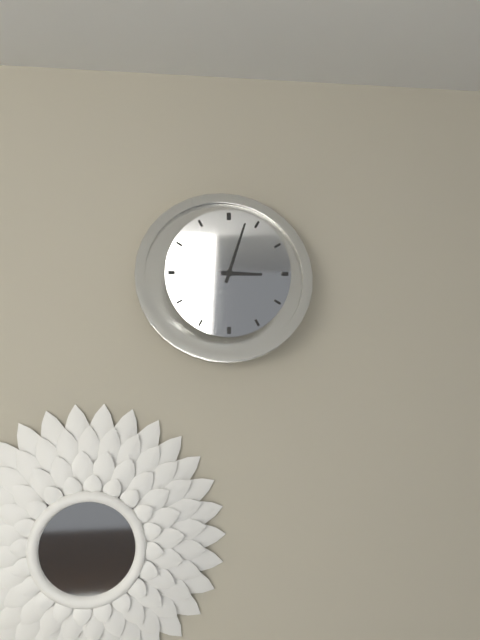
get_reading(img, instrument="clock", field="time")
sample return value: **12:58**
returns **3:03**
